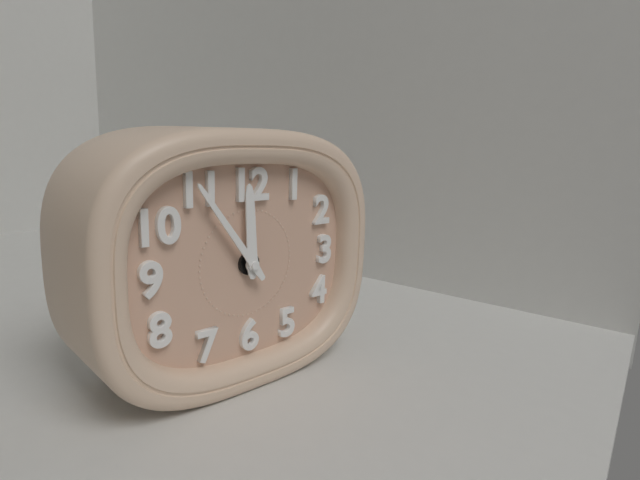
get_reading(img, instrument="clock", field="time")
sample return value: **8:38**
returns **11:54**
